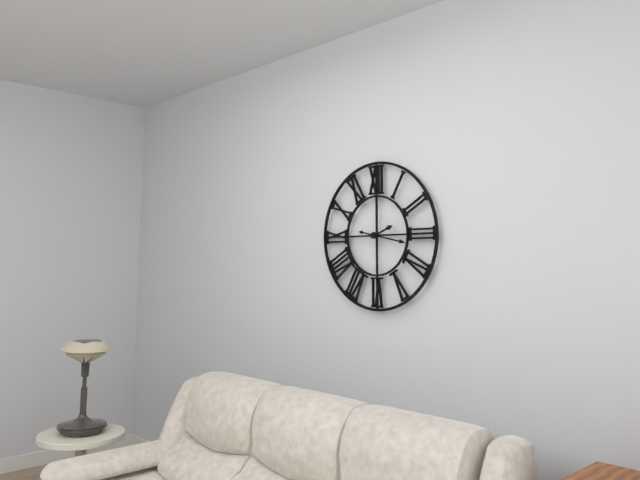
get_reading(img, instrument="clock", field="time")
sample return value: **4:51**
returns **2:17**
